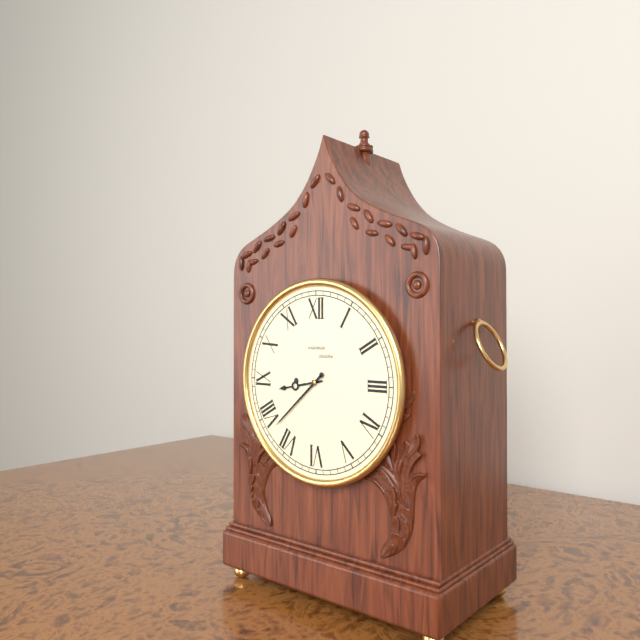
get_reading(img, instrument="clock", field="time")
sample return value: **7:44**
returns **8:38**
